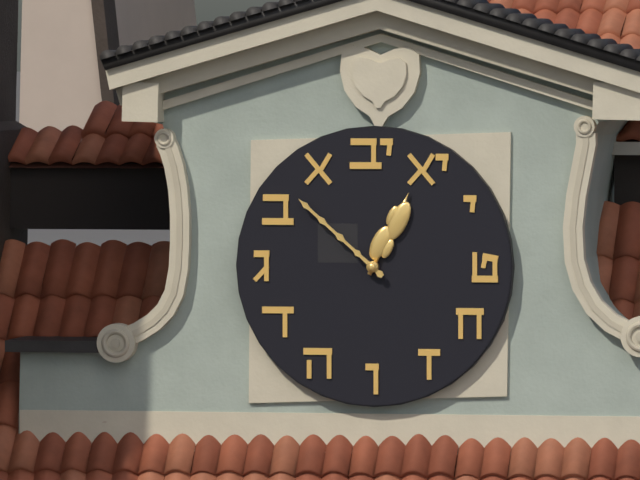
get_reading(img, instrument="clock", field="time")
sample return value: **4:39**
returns **12:52**
